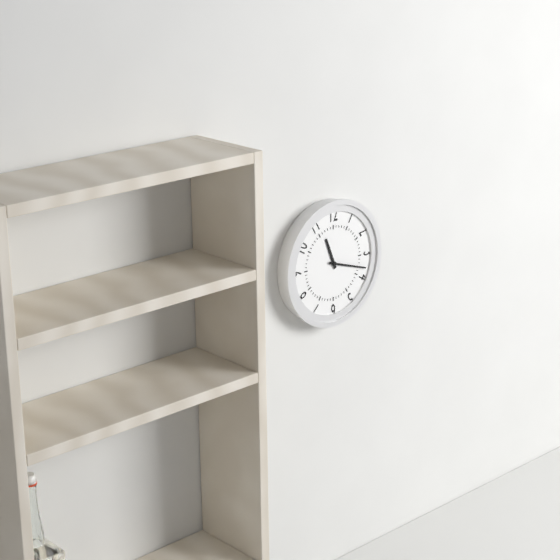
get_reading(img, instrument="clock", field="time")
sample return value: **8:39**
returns **11:18**
